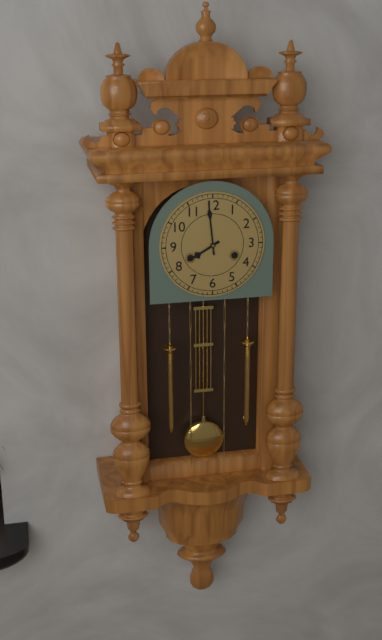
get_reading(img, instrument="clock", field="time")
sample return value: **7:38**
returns **7:59**
